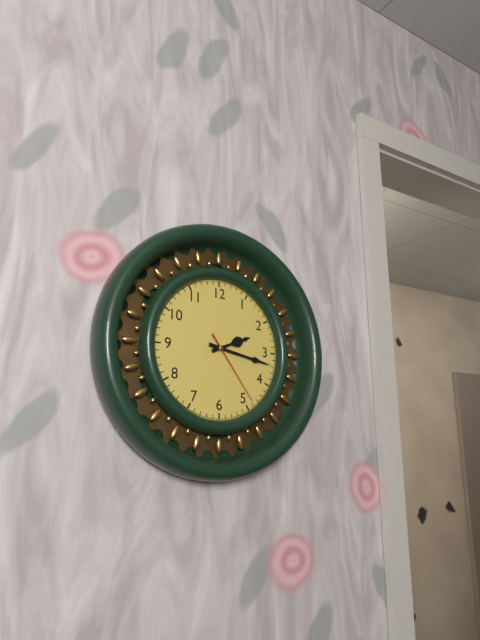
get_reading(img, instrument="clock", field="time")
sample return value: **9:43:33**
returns **2:17:24**
